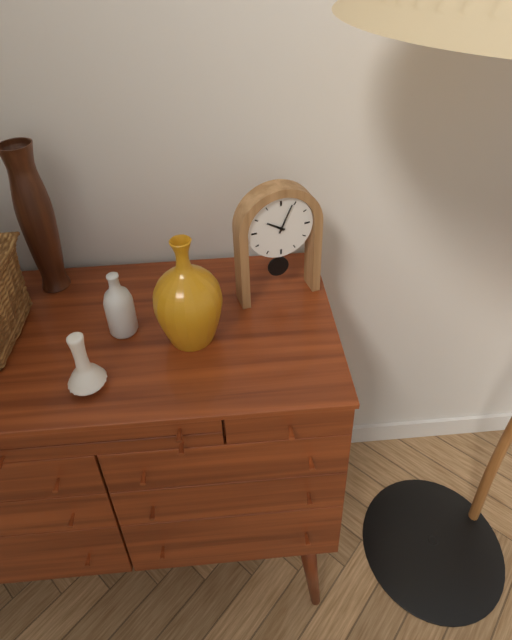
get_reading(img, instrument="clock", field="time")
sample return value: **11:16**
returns **10:04**
